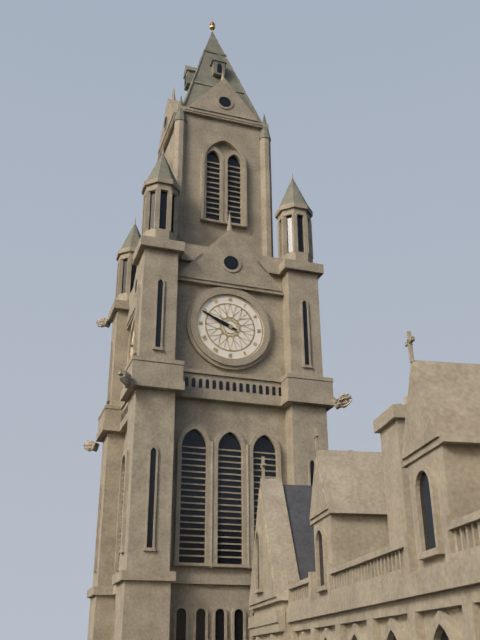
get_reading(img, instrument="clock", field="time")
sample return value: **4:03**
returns **9:49**
